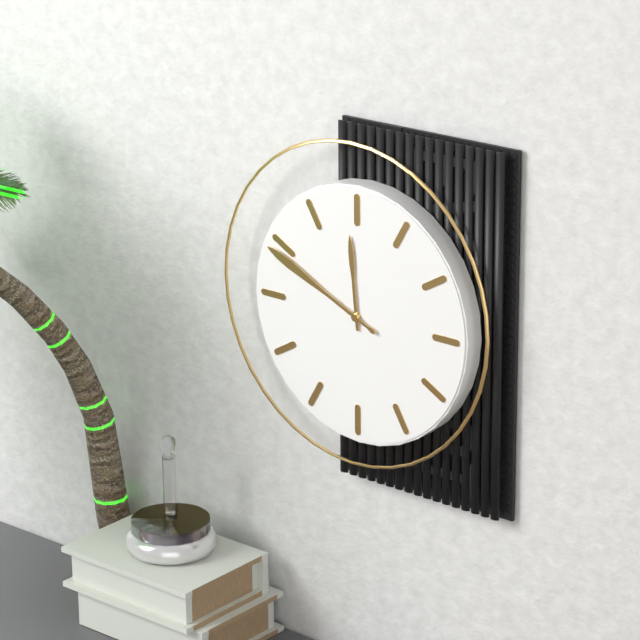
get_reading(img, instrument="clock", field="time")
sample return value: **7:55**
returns **11:49**
